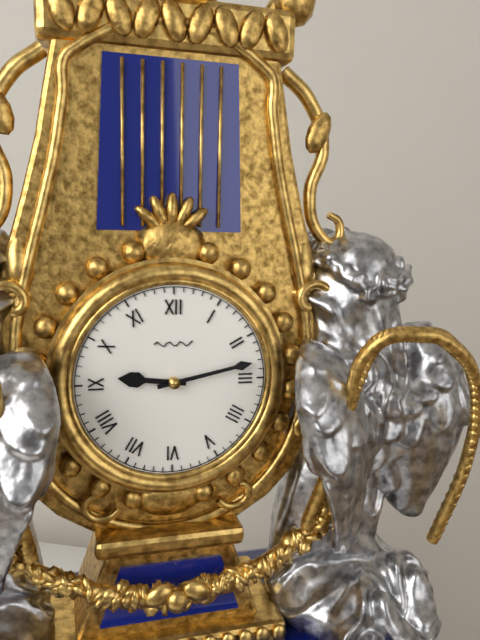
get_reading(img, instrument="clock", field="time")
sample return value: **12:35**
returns **9:13**
